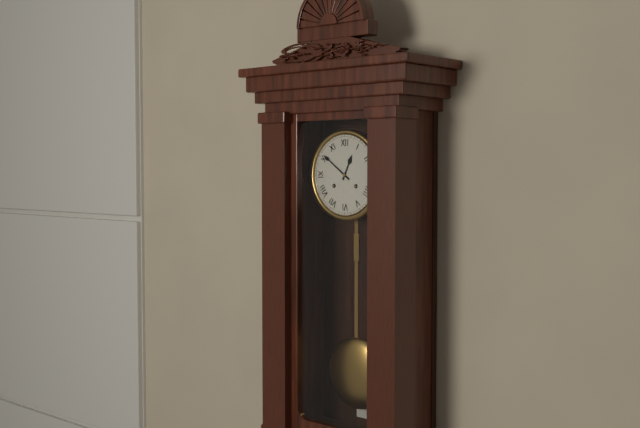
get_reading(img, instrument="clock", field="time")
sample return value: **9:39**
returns **12:51**
